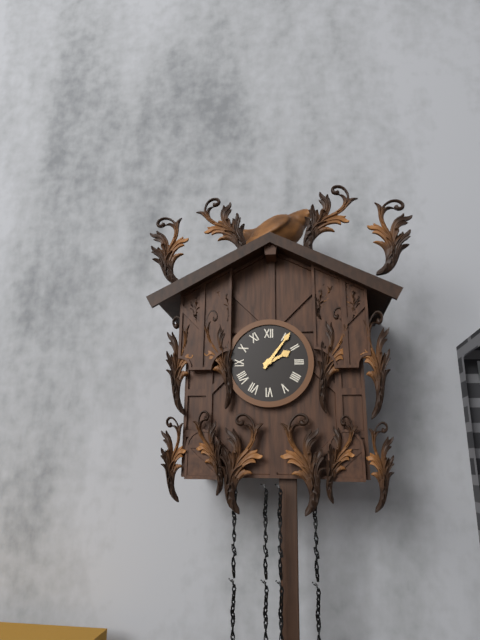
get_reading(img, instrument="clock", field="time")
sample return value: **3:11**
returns **2:06**
